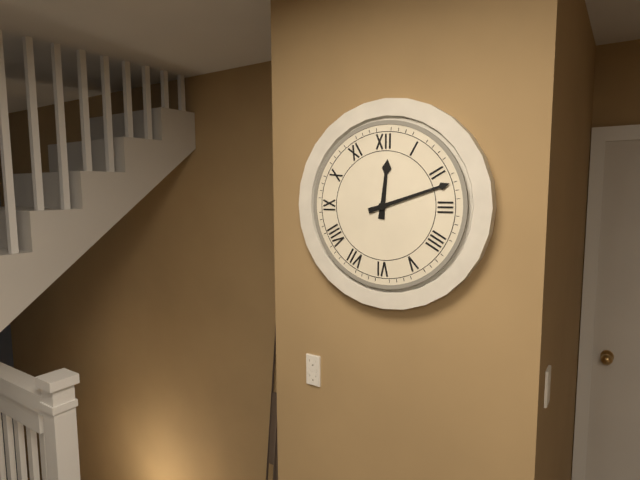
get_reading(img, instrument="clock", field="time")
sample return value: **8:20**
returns **12:12**
